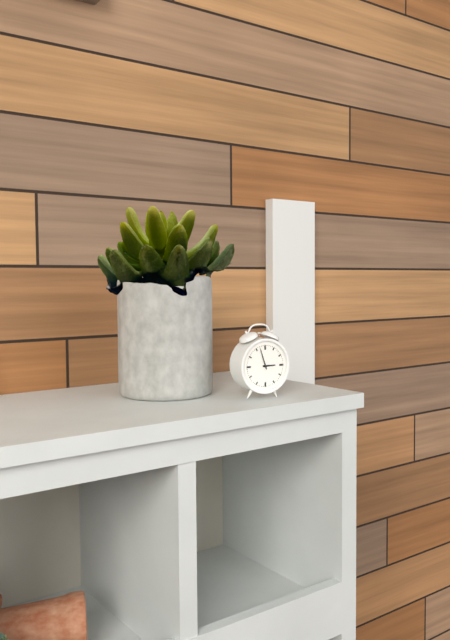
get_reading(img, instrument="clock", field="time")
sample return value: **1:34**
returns **2:57**
